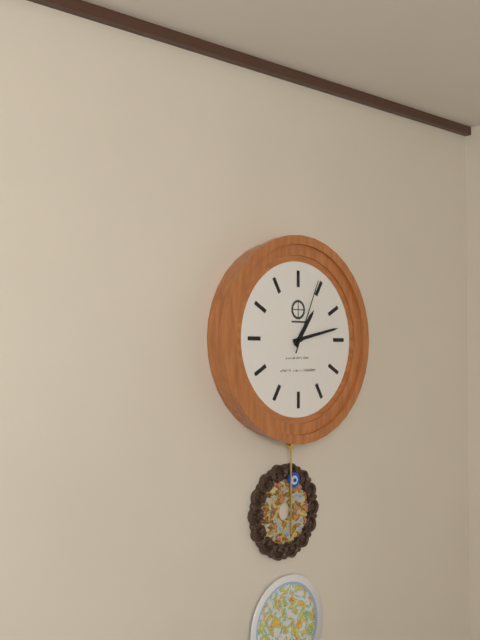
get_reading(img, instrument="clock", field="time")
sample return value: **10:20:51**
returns **1:13:04**
